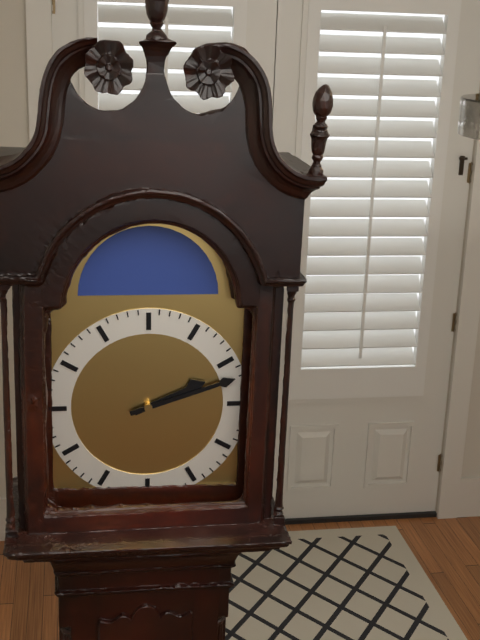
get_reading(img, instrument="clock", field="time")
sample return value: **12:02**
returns **2:12**
